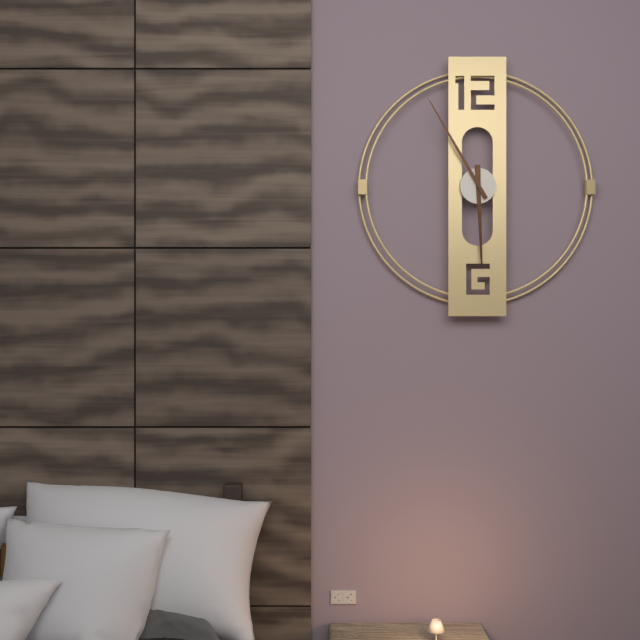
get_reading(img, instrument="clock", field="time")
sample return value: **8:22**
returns **5:55**
